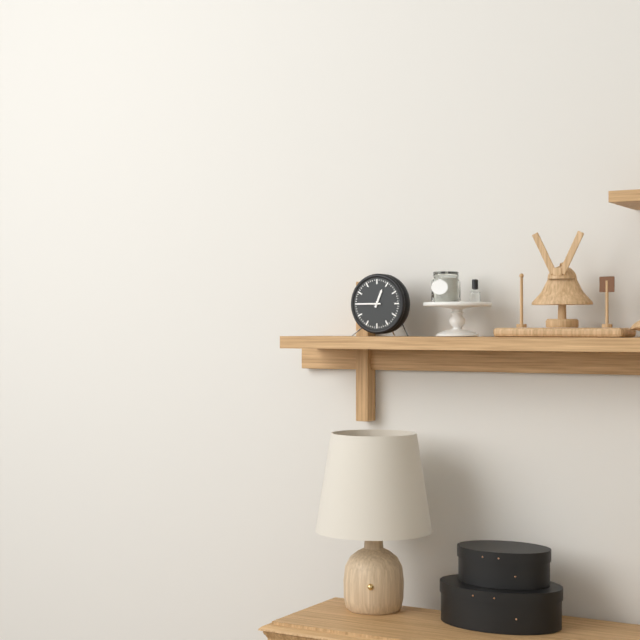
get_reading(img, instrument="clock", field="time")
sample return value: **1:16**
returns **12:45**
